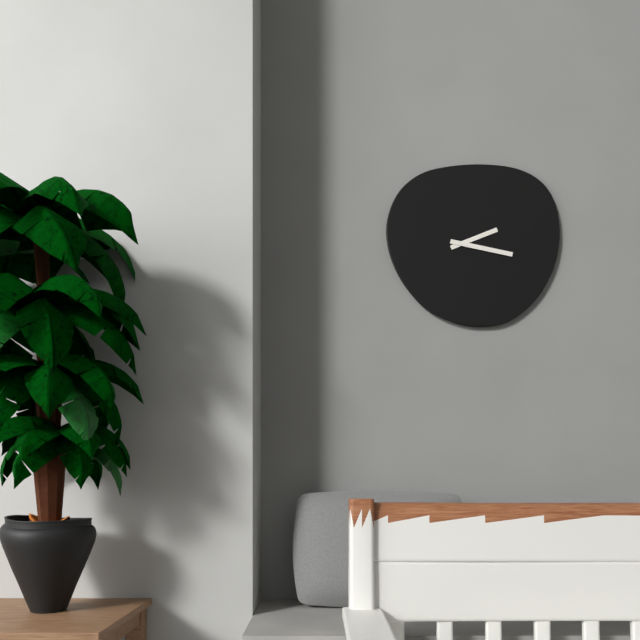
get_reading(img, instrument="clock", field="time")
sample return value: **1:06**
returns **2:17**
